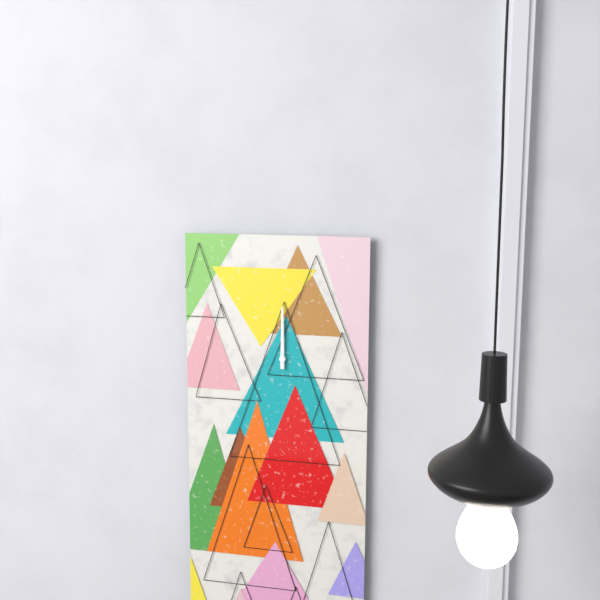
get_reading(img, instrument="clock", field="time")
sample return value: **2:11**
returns **12:00**
